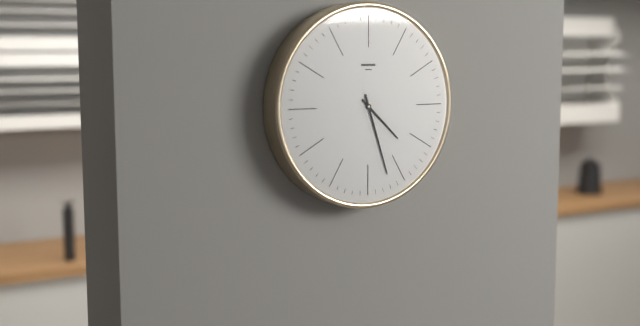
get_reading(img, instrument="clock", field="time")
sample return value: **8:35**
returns **4:27**
